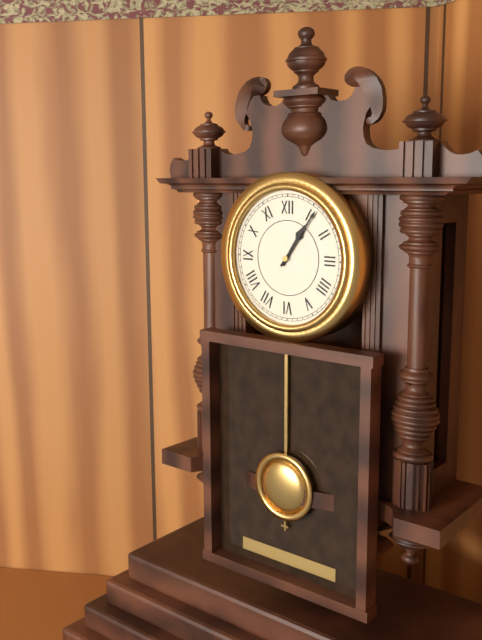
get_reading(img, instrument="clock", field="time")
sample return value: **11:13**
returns **1:06**
